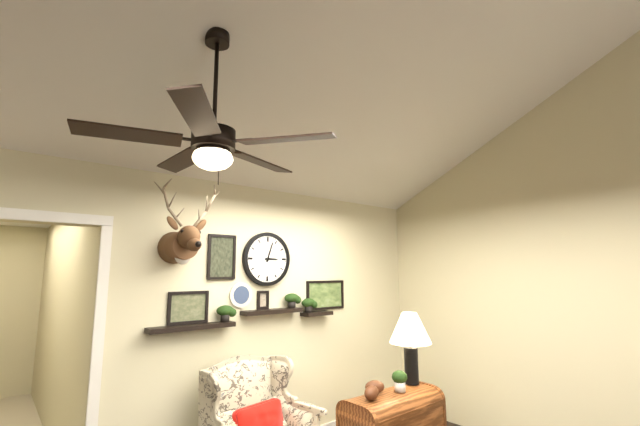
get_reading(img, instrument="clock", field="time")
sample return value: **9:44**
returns **3:03**
